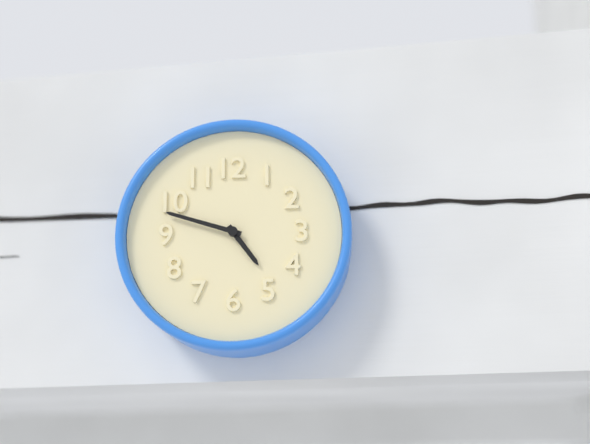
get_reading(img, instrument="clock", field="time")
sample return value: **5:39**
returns **4:48**
